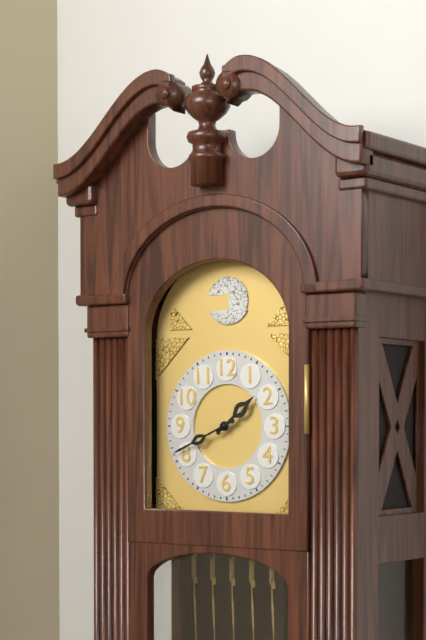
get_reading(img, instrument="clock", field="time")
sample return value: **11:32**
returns **1:41**
